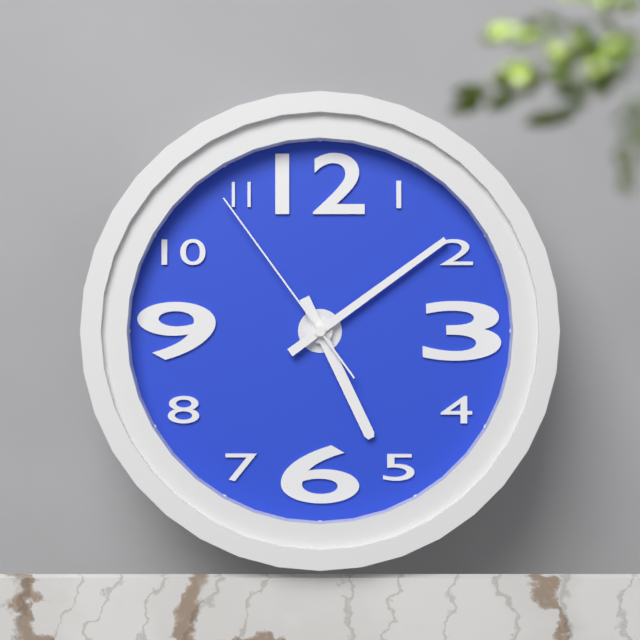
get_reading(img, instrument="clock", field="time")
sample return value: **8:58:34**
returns **5:09:54**
